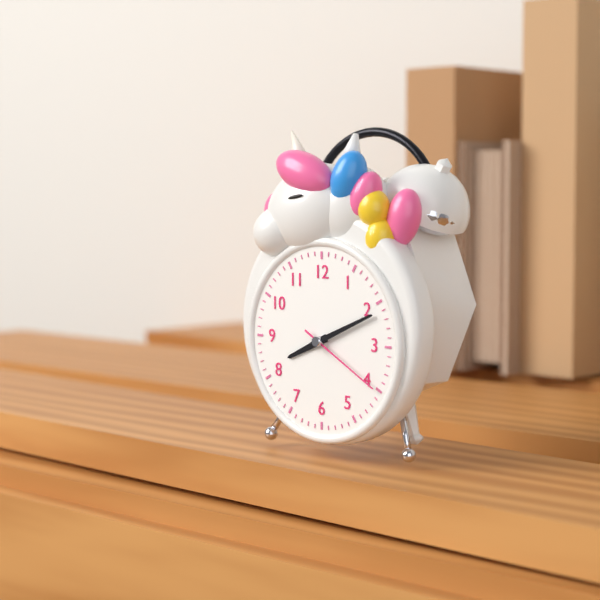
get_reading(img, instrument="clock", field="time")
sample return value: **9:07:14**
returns **8:11:20**
